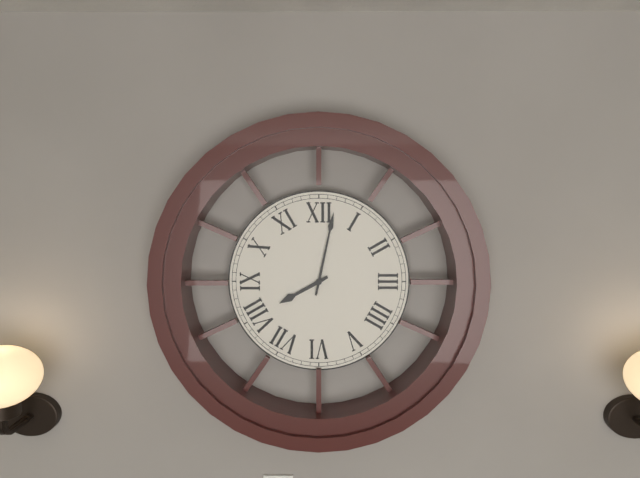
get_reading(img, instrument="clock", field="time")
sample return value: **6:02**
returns **8:02**
